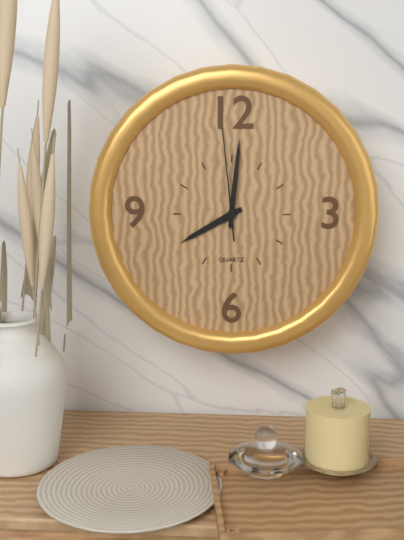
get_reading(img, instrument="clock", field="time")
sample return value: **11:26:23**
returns **8:01:59**
